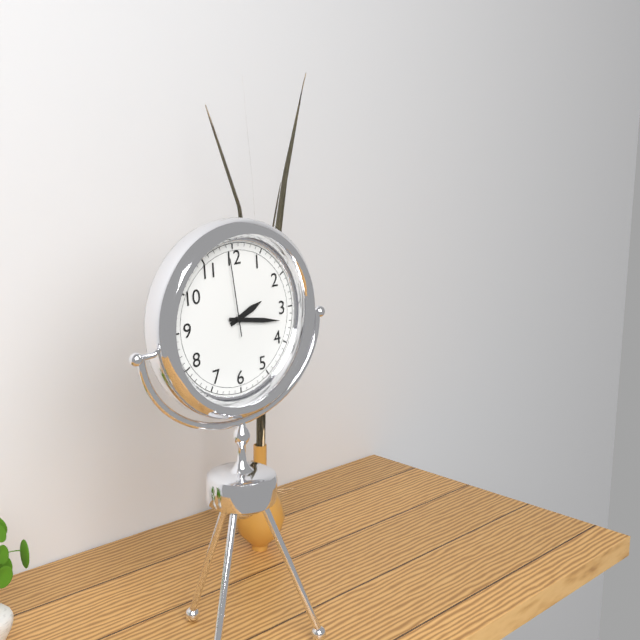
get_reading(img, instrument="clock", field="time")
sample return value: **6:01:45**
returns **2:17:59**
